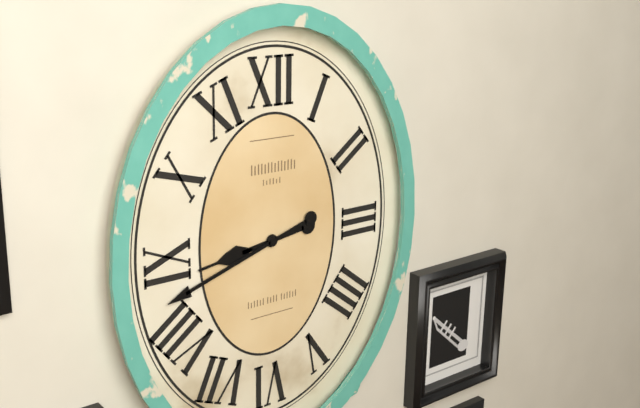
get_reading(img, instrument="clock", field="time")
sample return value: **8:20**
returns **8:42**
